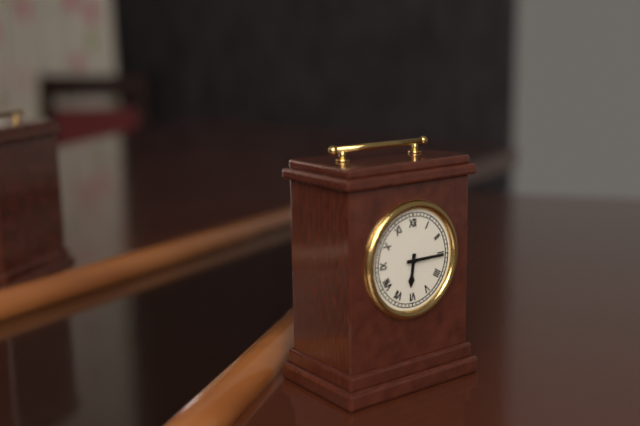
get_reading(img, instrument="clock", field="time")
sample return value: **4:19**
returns **6:15**
